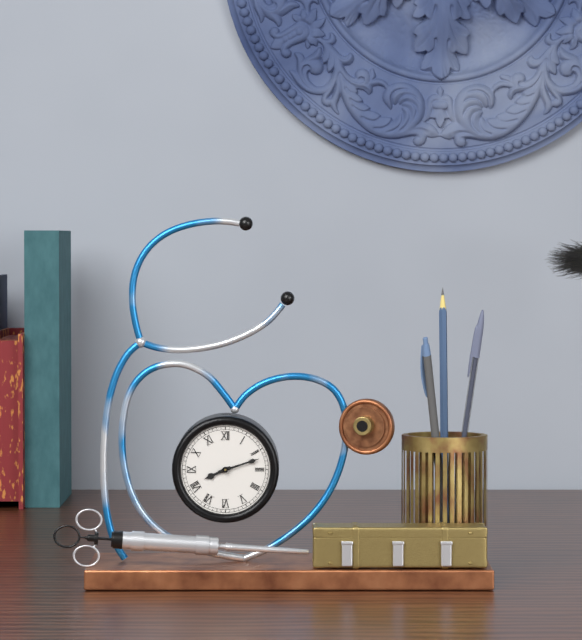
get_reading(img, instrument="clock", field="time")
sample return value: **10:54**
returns **8:12**
